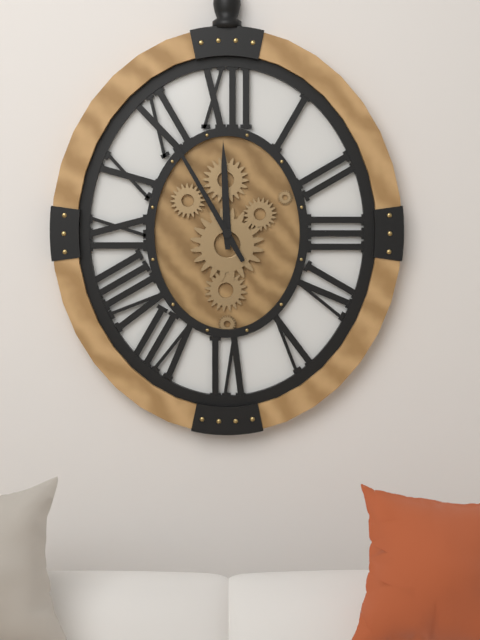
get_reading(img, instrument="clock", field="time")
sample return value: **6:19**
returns **11:55**
